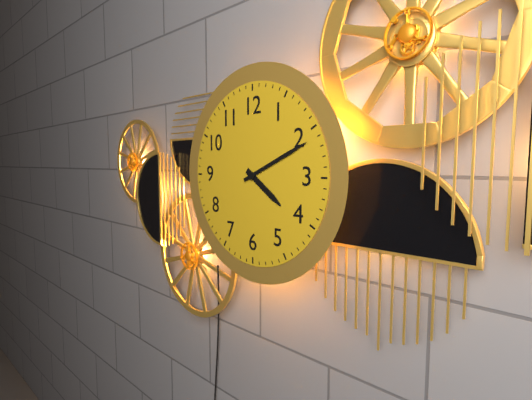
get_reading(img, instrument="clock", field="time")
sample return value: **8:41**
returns **4:11**
